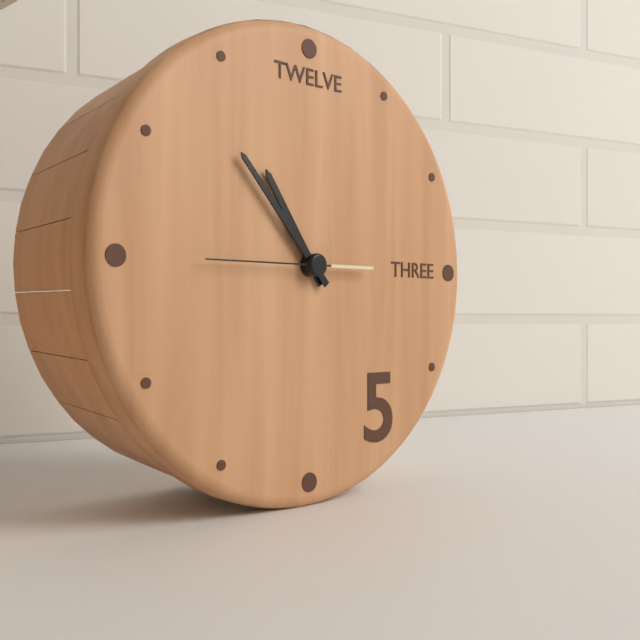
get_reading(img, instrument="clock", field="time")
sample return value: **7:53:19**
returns **10:53:45**
